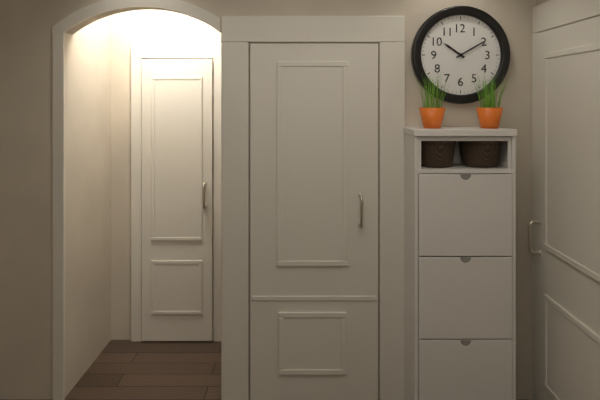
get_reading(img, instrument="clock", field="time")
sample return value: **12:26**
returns **10:10**
